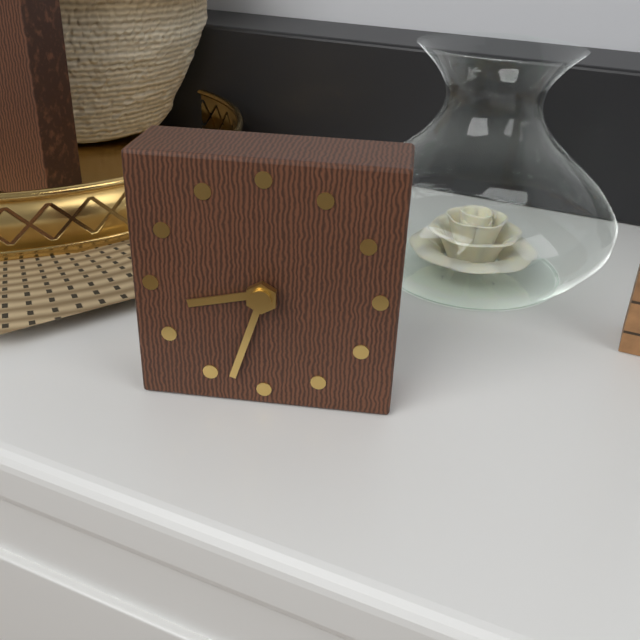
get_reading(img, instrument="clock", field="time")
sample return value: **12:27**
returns **8:33**
